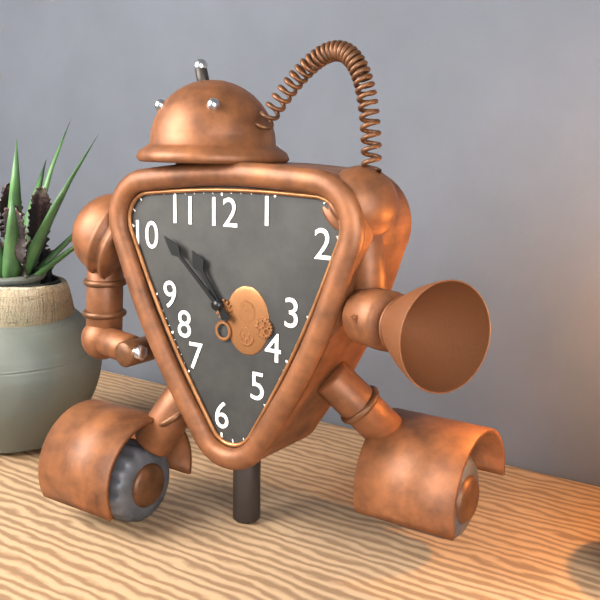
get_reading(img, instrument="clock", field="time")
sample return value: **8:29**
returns **10:52**
